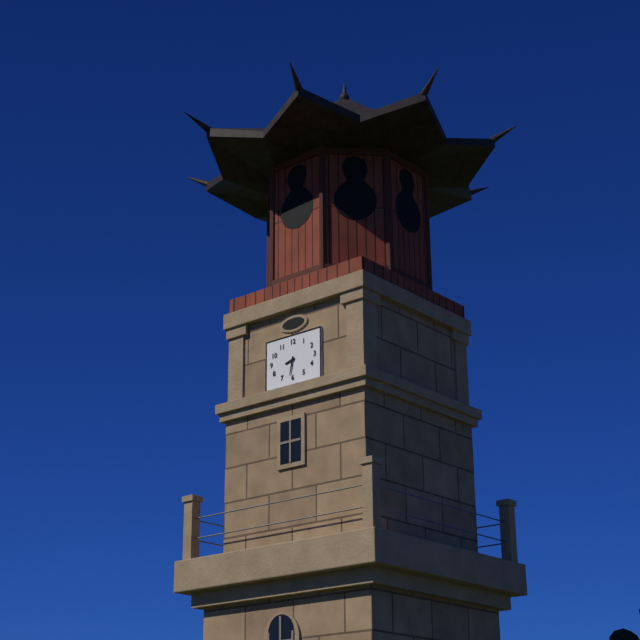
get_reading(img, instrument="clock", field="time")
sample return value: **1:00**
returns **8:32**
